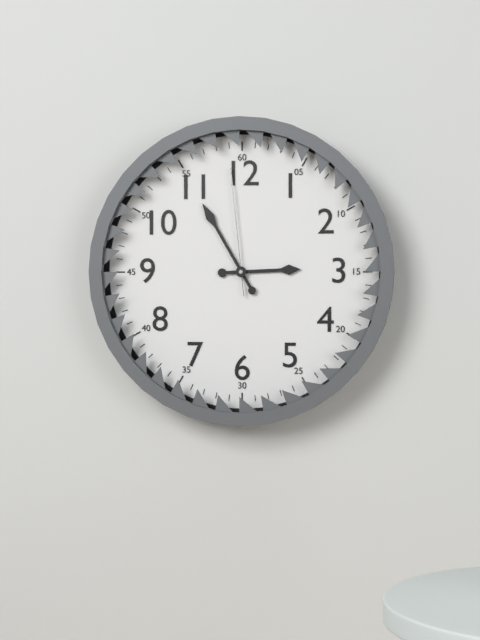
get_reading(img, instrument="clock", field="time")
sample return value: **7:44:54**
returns **2:55:59**
